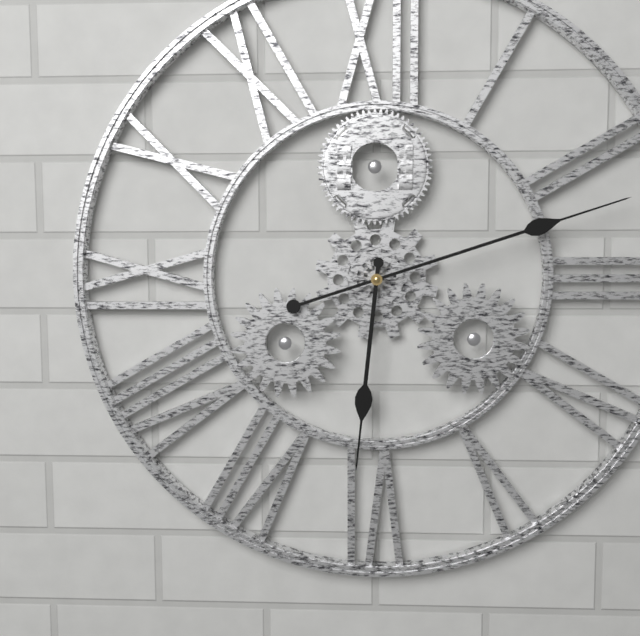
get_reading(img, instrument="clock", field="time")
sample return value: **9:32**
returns **6:12**
